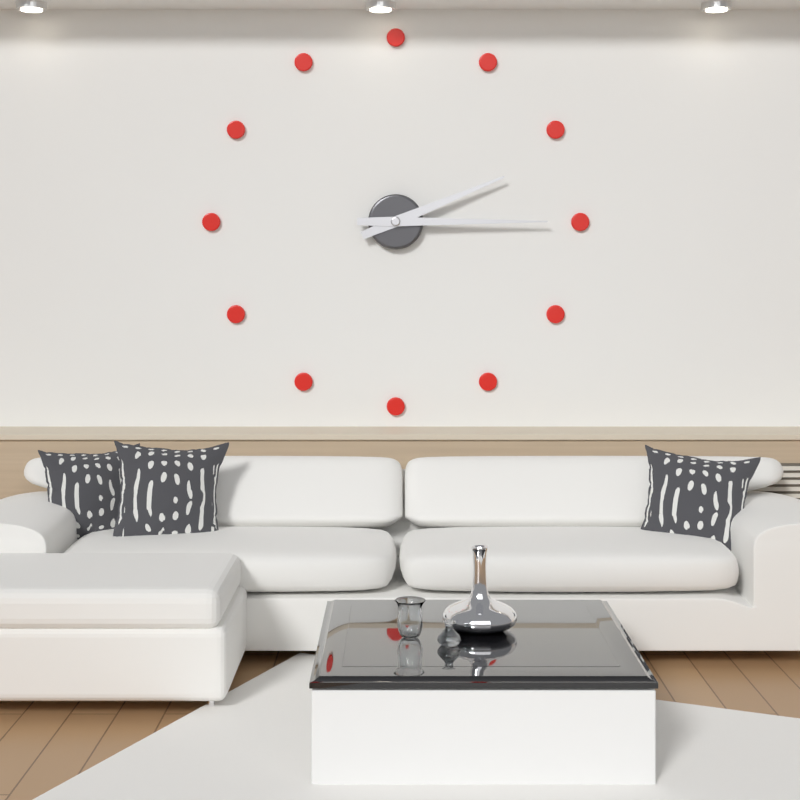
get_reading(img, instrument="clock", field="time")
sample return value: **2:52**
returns **2:15**
